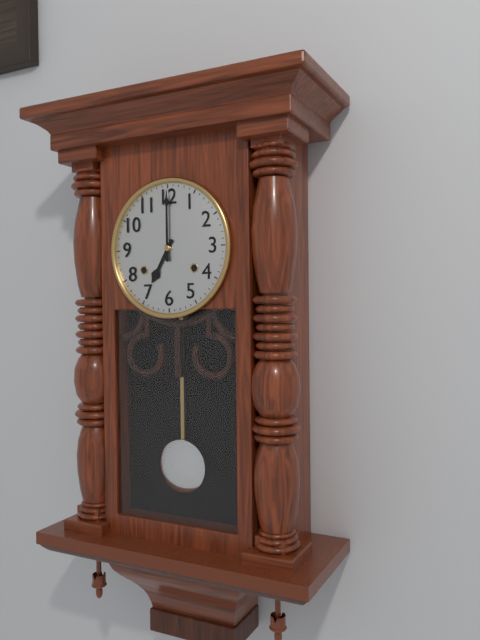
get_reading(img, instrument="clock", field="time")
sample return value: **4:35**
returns **7:00**
